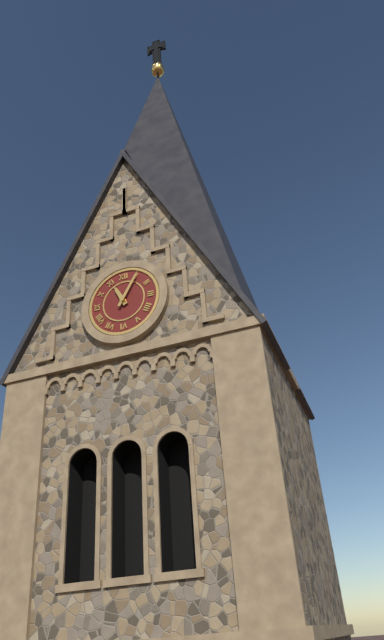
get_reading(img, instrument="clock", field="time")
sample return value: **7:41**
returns **11:05**
